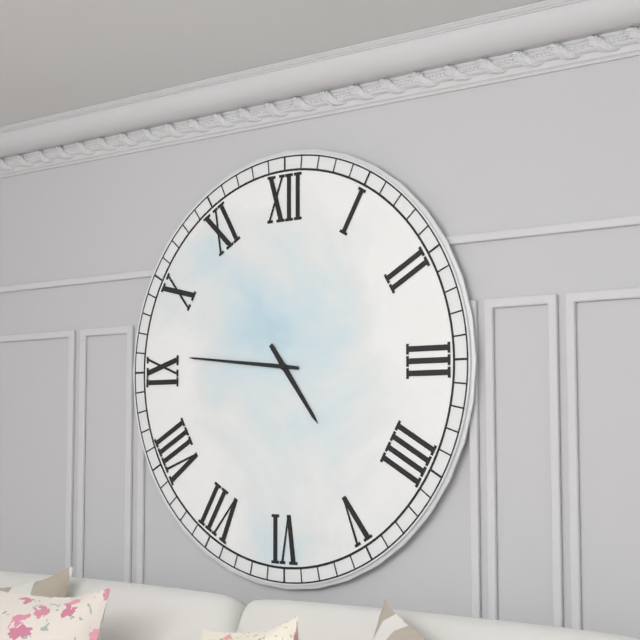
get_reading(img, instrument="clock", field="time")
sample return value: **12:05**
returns **4:46**
